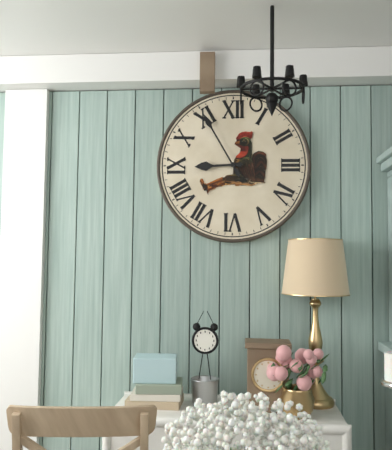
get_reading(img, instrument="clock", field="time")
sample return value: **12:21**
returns **8:55**
